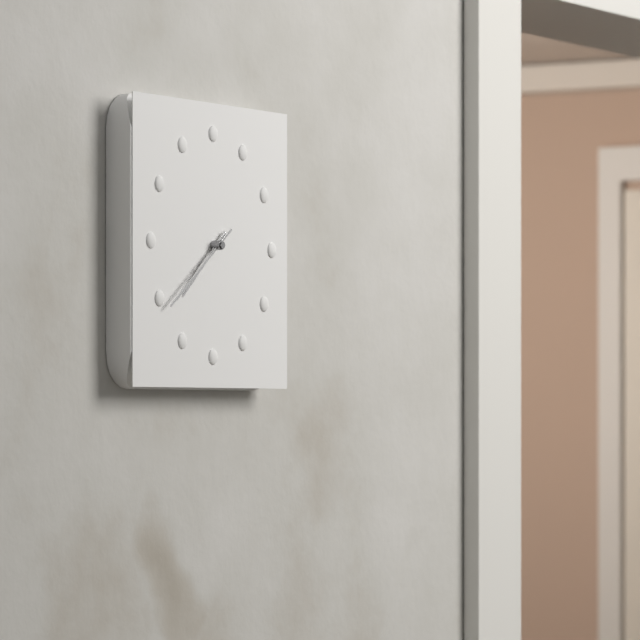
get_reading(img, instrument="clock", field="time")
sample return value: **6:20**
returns **7:39**
